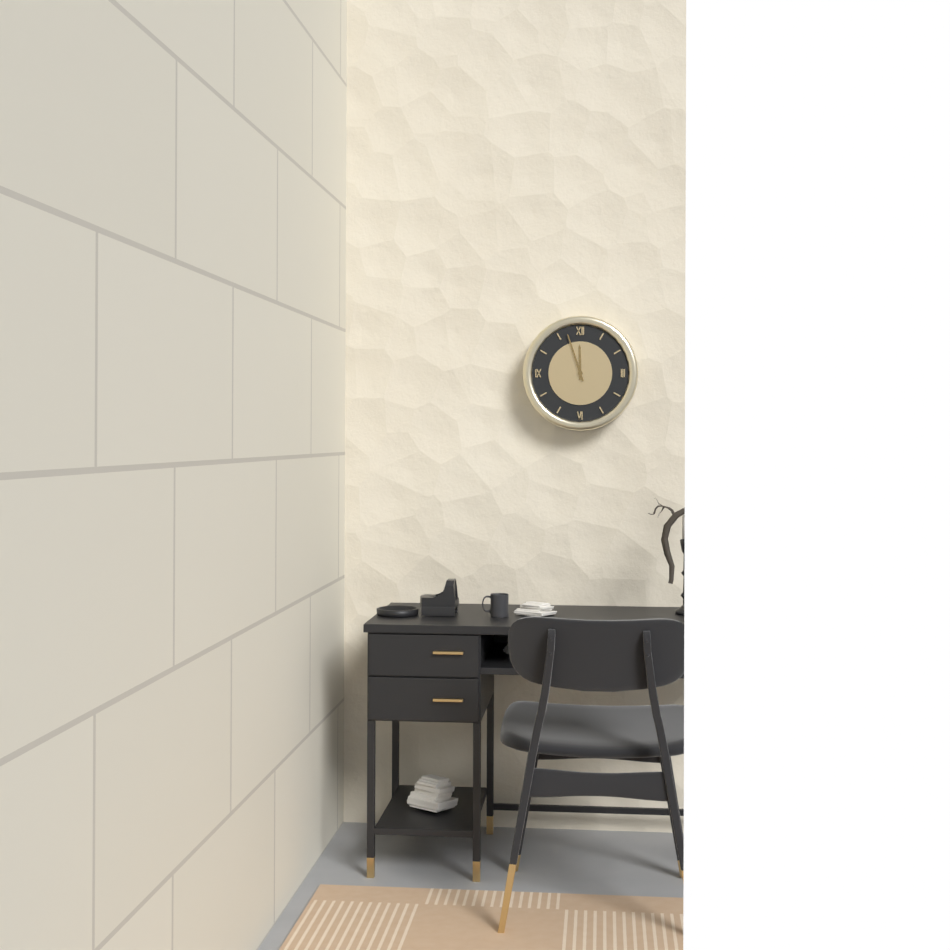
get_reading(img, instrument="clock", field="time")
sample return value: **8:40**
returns **11:57**
